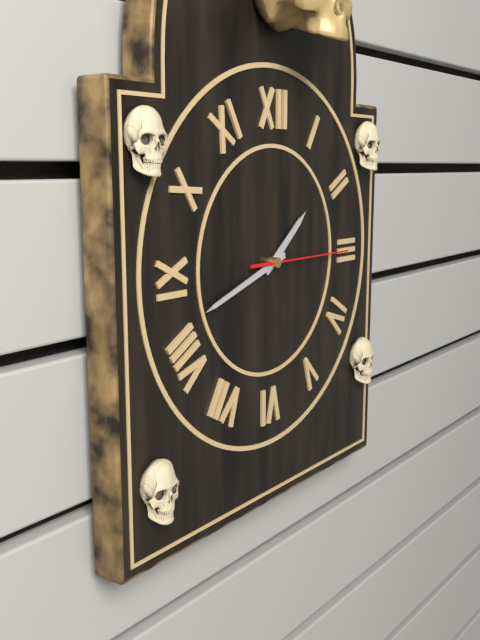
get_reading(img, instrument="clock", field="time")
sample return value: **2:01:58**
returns **1:42:15**
